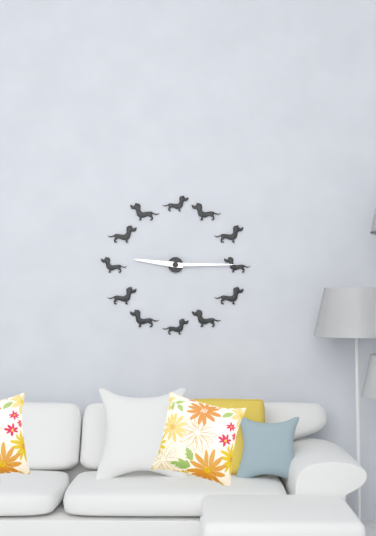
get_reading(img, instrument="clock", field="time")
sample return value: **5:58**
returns **9:15**
